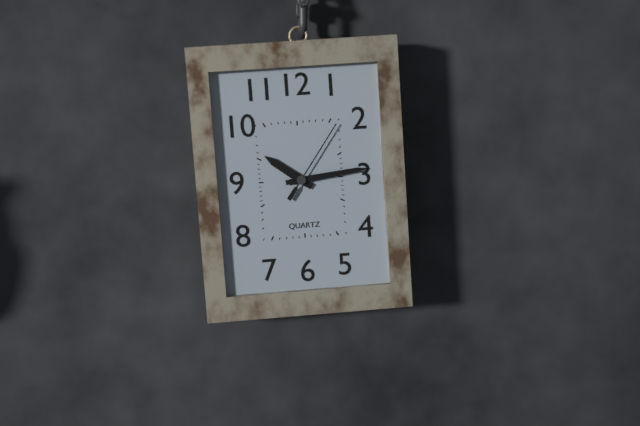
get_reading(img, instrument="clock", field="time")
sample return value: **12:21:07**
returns **10:14:06**
